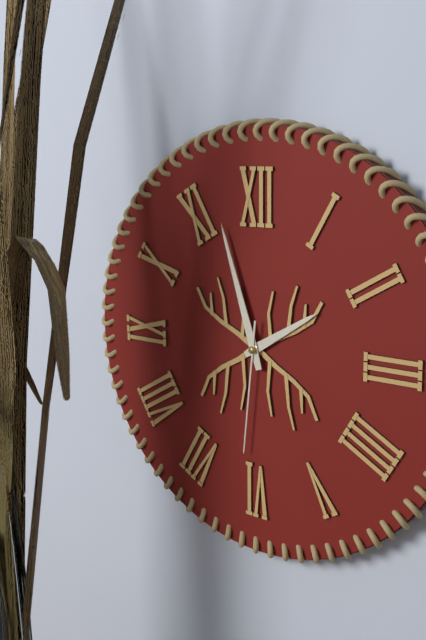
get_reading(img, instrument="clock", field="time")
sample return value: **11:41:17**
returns **1:57:31**
